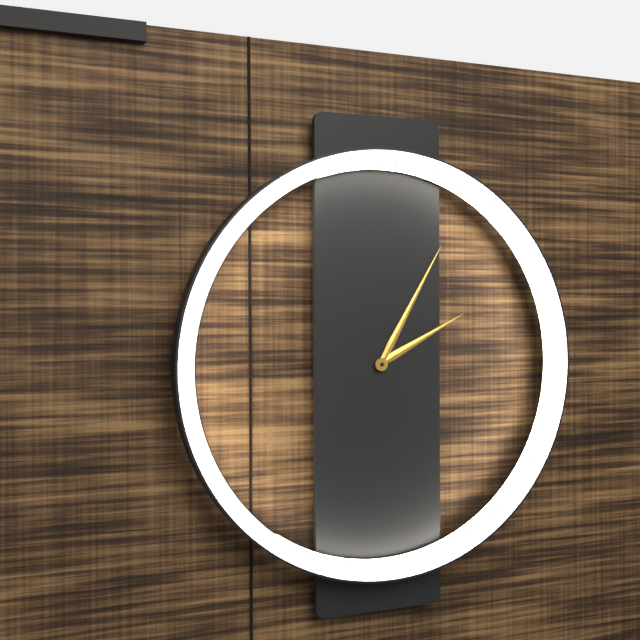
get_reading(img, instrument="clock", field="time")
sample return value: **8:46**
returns **2:05**
